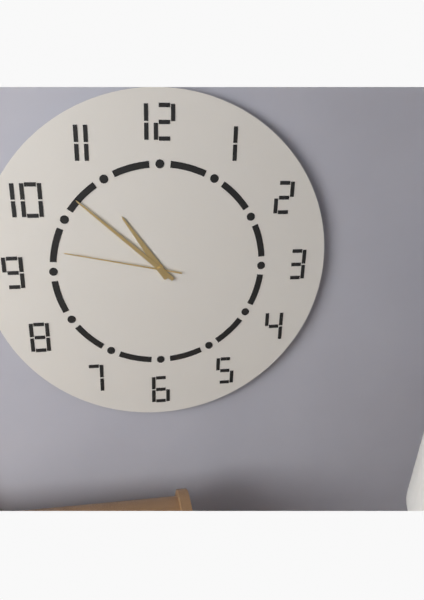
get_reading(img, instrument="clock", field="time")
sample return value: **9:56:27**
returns **10:52:47**
